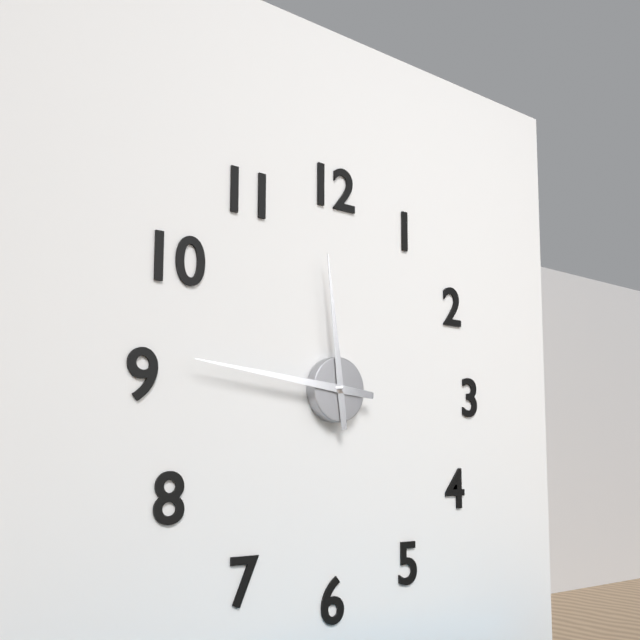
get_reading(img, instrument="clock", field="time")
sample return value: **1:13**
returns **11:46**
